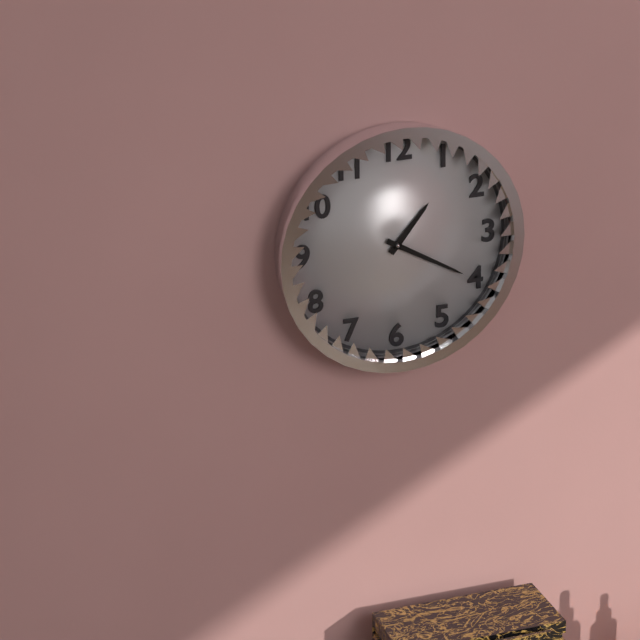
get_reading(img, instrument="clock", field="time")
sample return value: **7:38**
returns **1:20**
